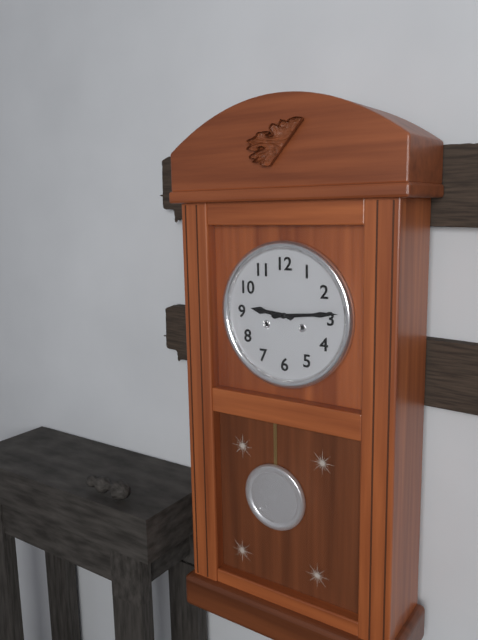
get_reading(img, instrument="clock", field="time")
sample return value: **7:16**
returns **9:14**
